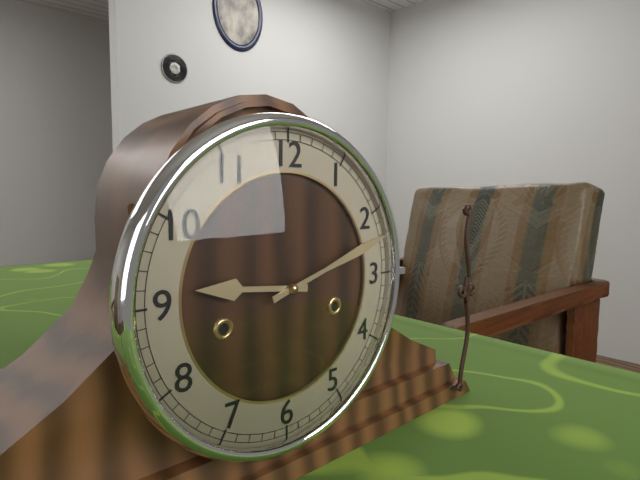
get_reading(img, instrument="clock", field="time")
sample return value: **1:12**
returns **9:12**
